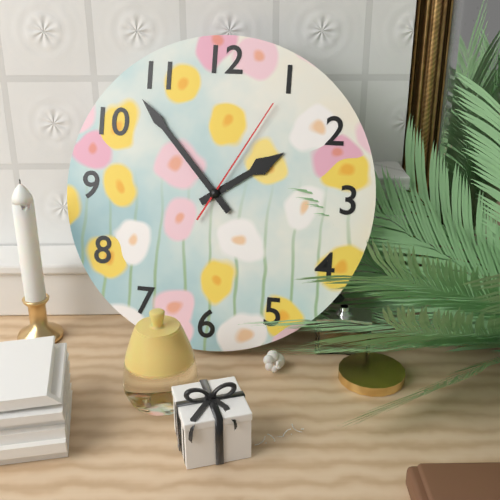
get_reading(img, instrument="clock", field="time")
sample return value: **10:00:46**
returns **1:53:05**
